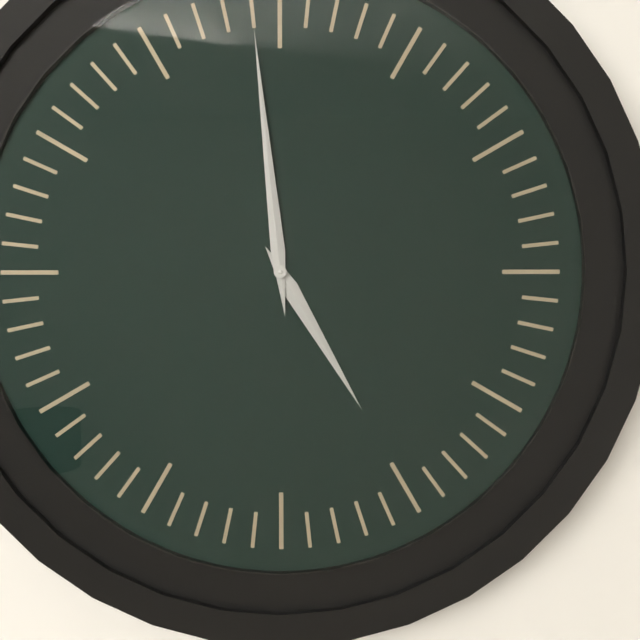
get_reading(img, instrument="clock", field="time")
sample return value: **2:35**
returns **4:59**
